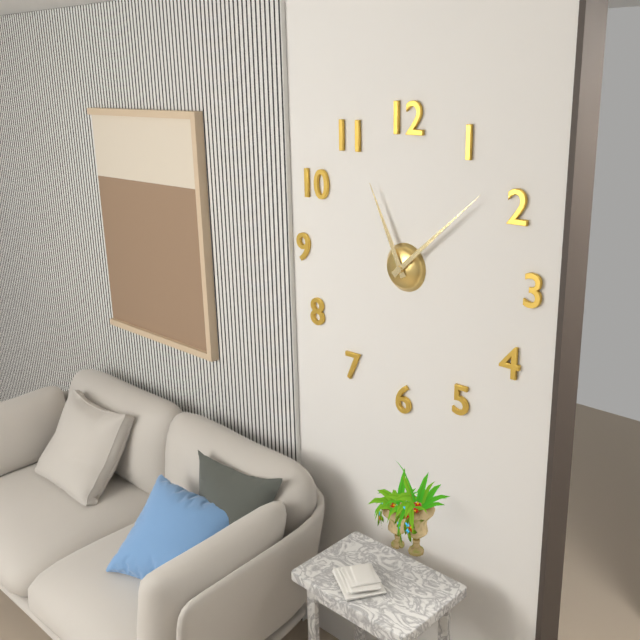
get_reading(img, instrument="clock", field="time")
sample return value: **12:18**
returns **11:08**
